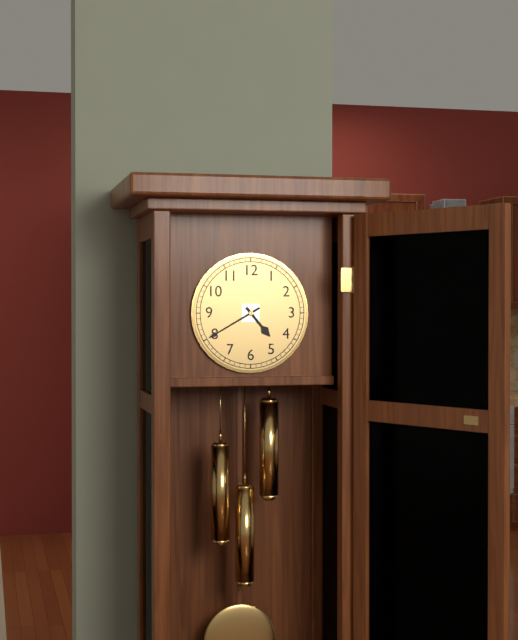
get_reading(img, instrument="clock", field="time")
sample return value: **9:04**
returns **4:40**
